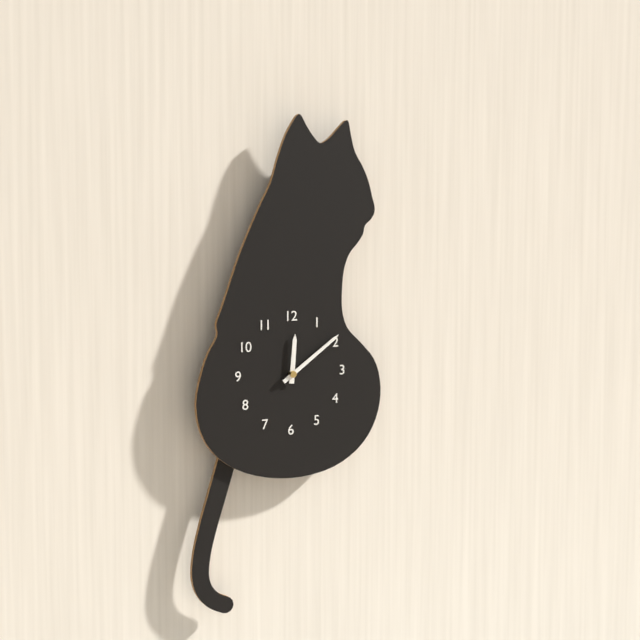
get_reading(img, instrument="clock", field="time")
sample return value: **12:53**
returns **12:09**
